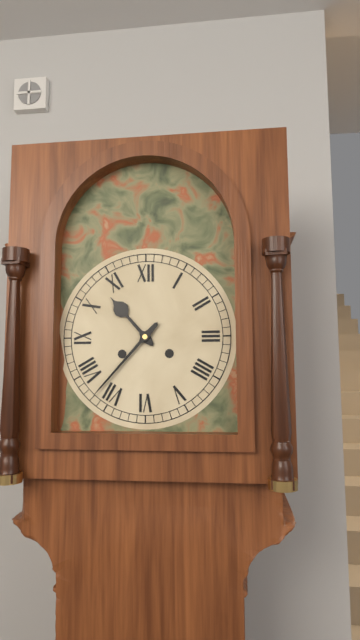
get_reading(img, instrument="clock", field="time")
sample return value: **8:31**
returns **10:37**
